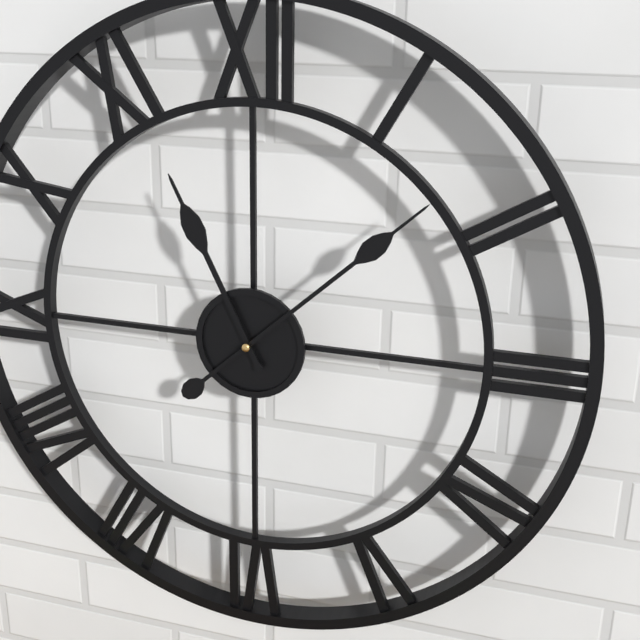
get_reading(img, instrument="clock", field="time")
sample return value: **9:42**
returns **11:08**
